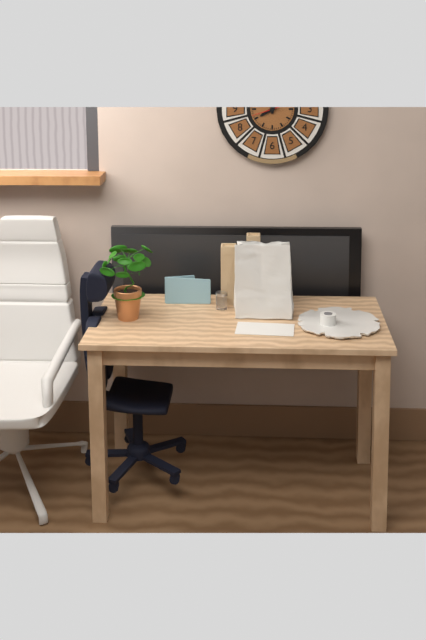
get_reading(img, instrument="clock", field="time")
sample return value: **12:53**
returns **8:00**
